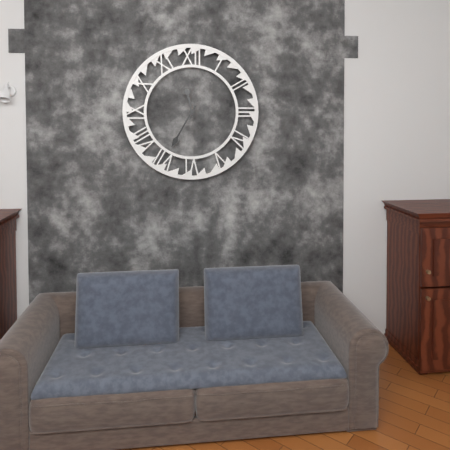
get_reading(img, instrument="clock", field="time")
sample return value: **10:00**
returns **11:35**
